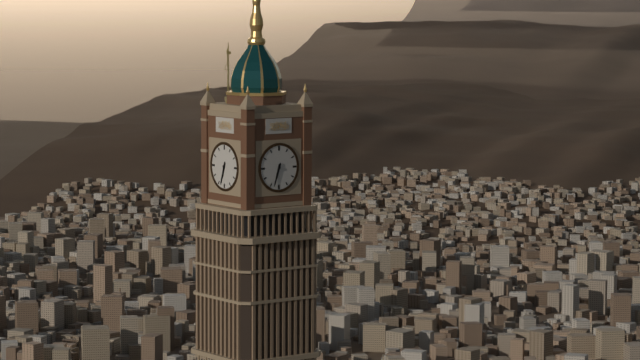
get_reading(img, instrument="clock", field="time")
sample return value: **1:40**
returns **6:33**
